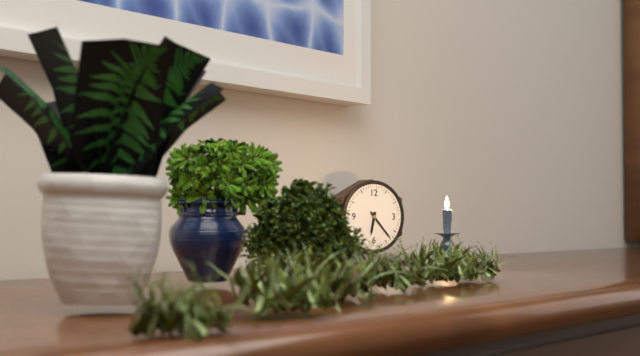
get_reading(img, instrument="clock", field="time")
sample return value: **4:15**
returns **6:23**
